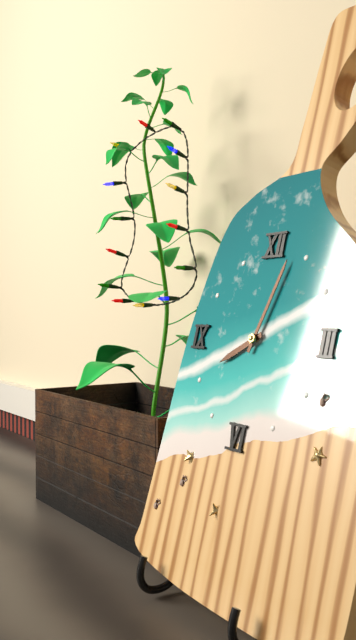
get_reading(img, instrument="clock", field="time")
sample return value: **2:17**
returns **8:03**
